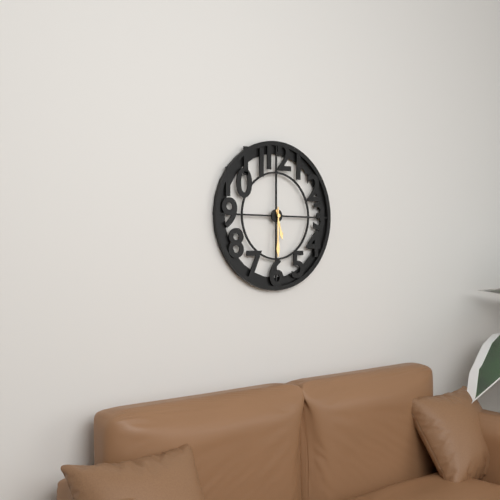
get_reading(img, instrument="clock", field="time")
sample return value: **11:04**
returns **5:30**
